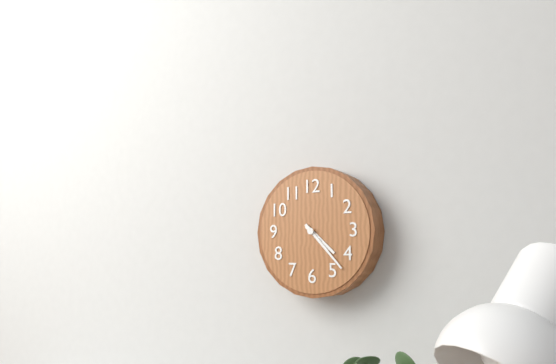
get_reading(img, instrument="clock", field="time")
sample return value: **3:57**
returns **4:23**
